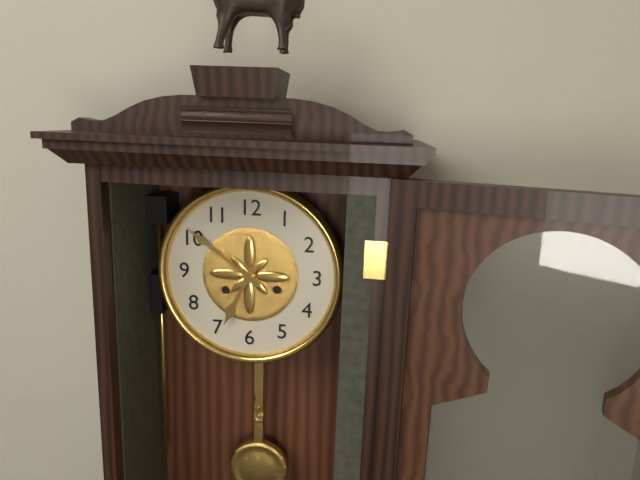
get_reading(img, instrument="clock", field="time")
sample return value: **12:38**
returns **6:51**
